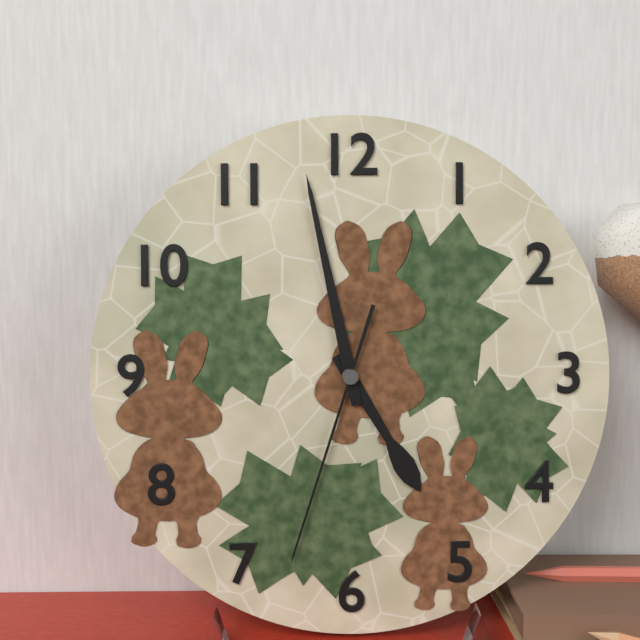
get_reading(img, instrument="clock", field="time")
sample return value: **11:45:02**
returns **4:58:33**
